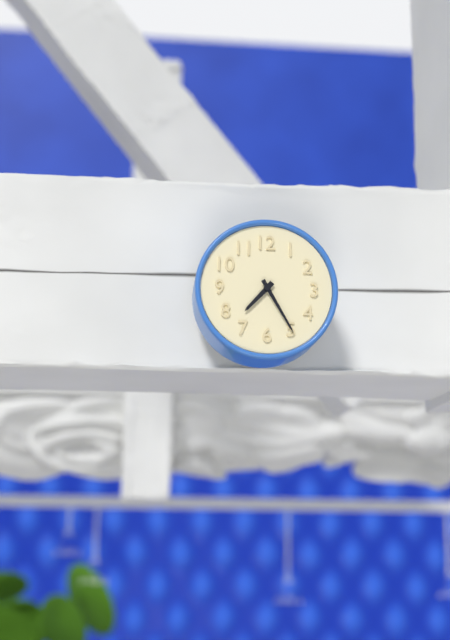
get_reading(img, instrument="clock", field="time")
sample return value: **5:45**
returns **7:25**
